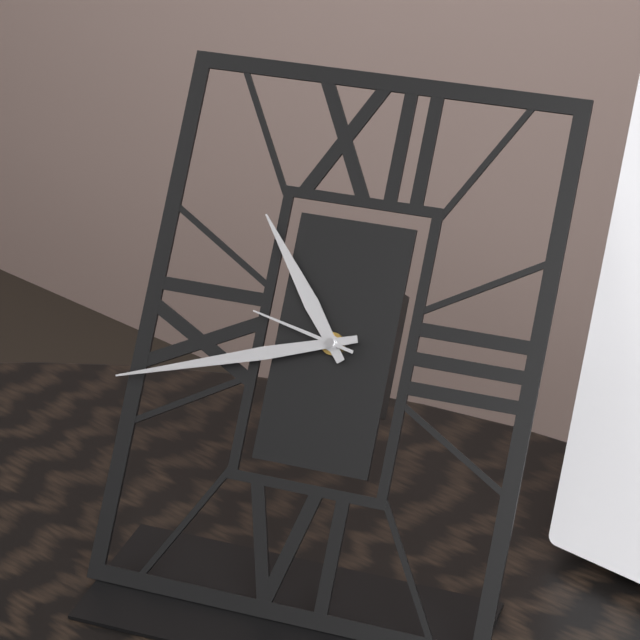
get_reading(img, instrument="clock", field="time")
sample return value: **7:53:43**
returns **10:42:47**
